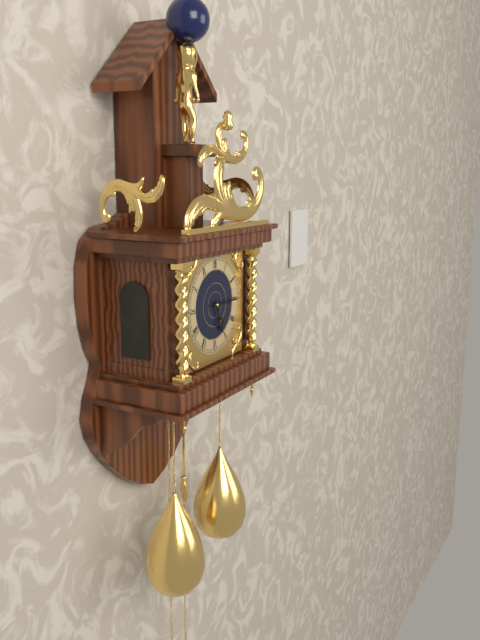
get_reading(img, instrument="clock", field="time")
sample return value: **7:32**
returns **5:15**
